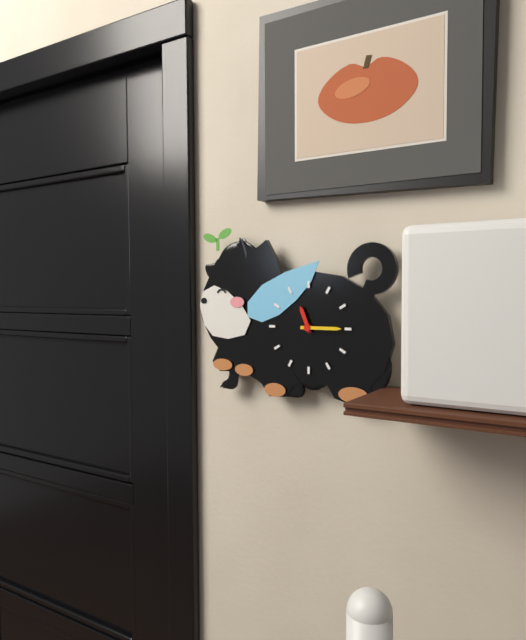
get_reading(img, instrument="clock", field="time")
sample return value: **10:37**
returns **11:15**
